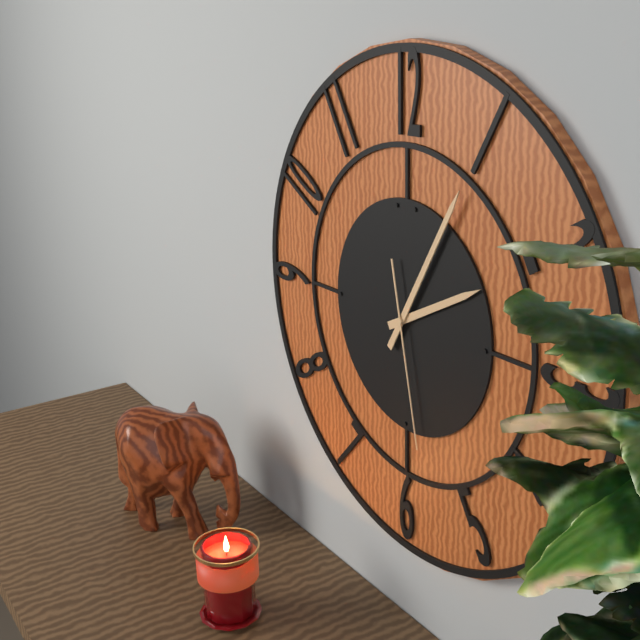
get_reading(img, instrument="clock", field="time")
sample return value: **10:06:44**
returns **2:05:28**
